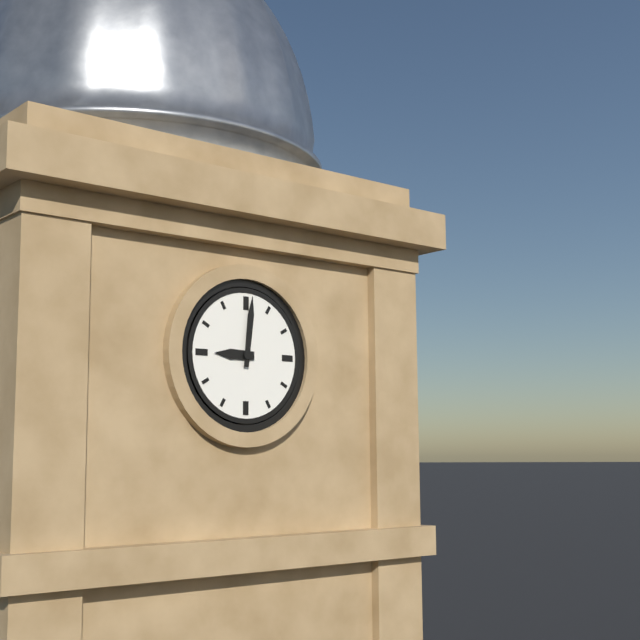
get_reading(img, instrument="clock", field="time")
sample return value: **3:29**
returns **9:01**
